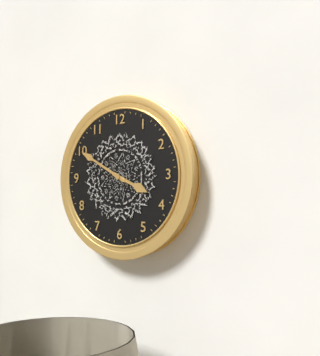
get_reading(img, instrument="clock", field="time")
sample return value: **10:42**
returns **3:50**
